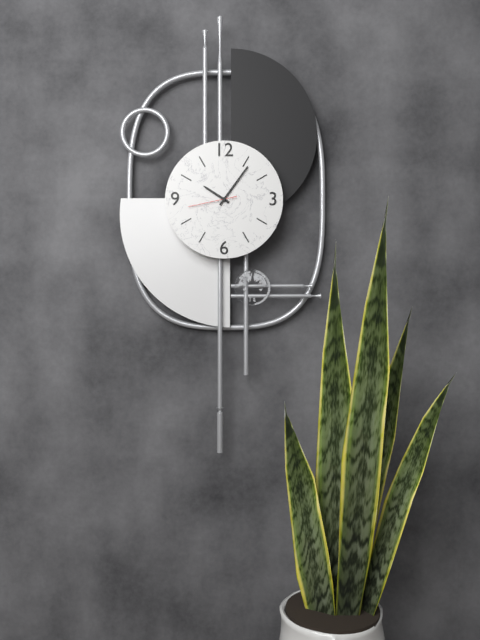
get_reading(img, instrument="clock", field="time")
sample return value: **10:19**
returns **10:06**
